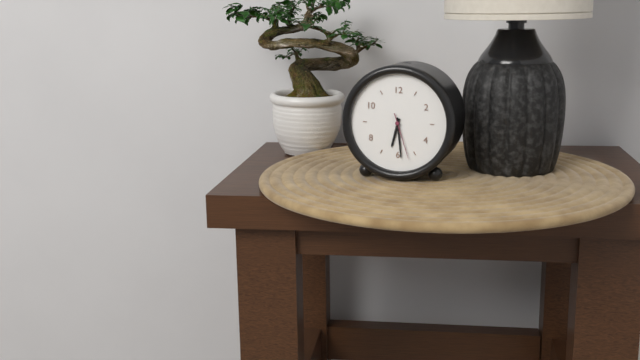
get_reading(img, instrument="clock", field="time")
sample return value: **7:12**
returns **6:29**
